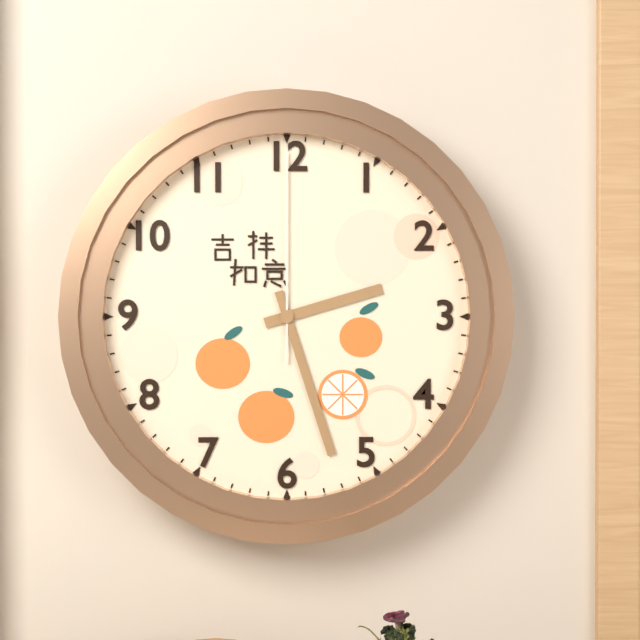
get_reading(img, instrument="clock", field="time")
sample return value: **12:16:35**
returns **2:27:00**
